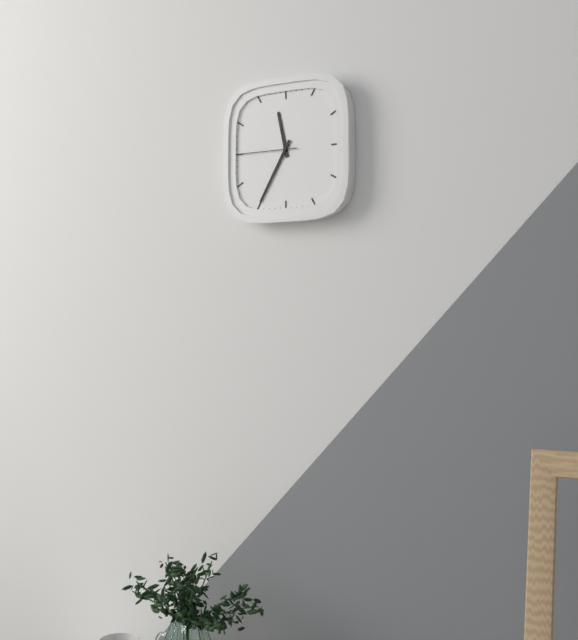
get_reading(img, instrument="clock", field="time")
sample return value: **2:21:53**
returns **11:35:45**
